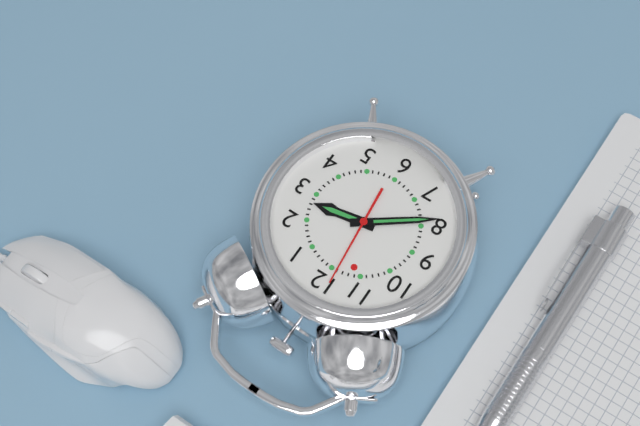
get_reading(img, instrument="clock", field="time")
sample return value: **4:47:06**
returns **2:39:59**
